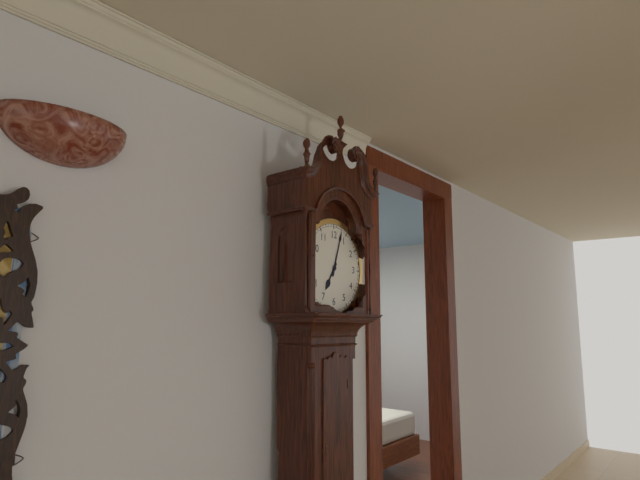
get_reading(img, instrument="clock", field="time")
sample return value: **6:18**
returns **7:03**
